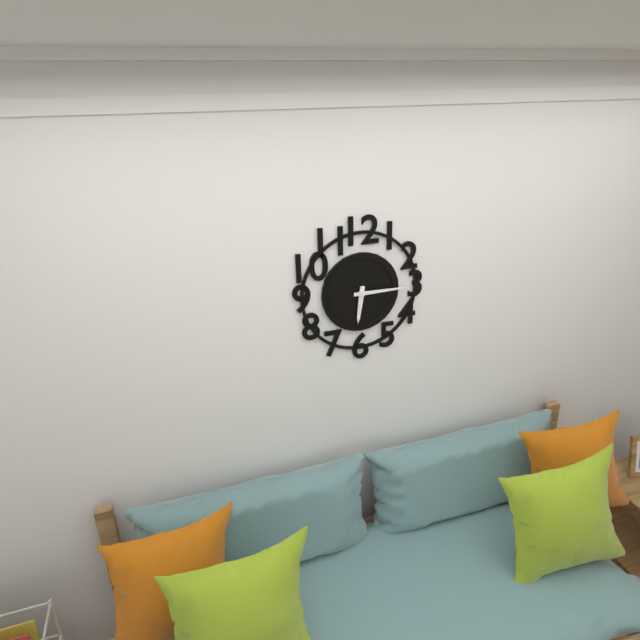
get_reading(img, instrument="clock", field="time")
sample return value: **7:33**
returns **6:15**
